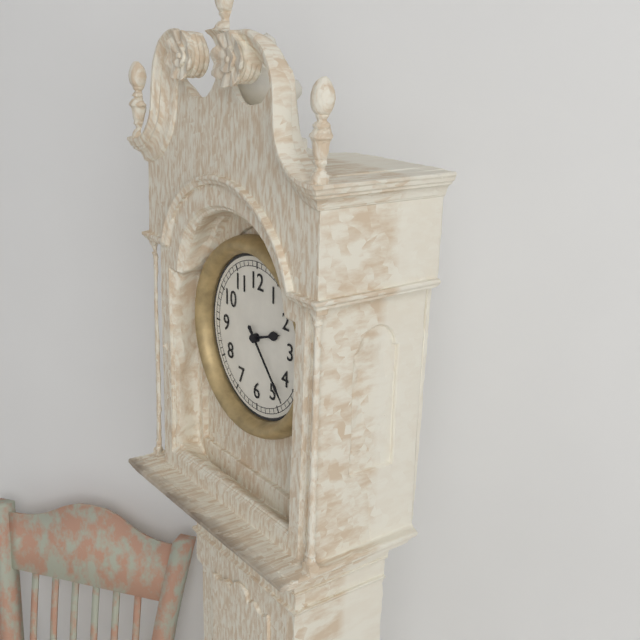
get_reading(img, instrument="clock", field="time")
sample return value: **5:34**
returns **2:23**
